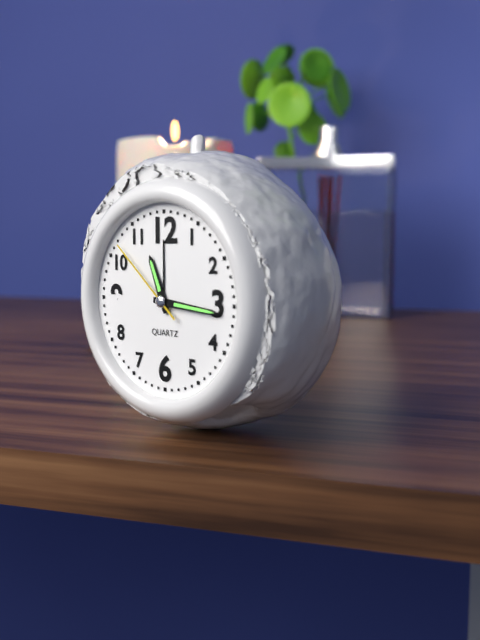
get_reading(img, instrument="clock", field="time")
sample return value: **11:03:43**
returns **11:16:52**
